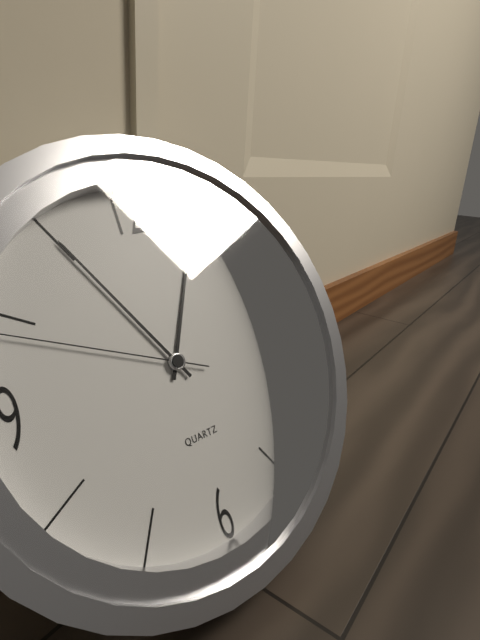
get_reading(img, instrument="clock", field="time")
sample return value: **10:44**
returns **12:55**
